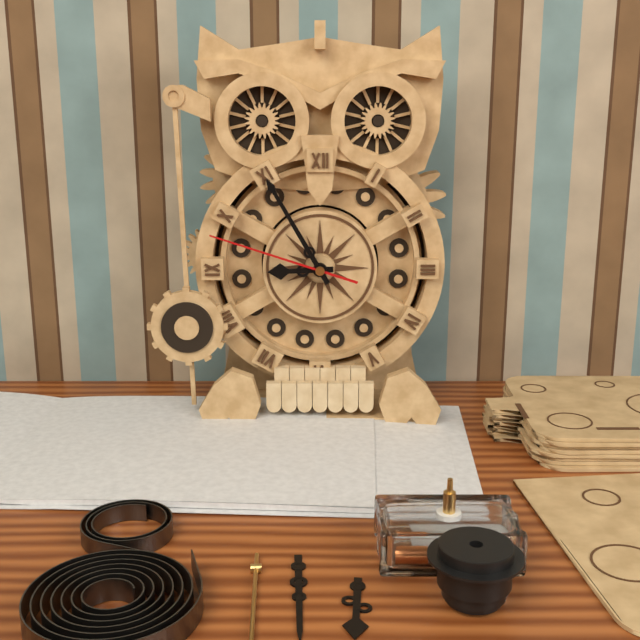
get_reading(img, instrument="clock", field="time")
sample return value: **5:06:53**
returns **8:55:48**
